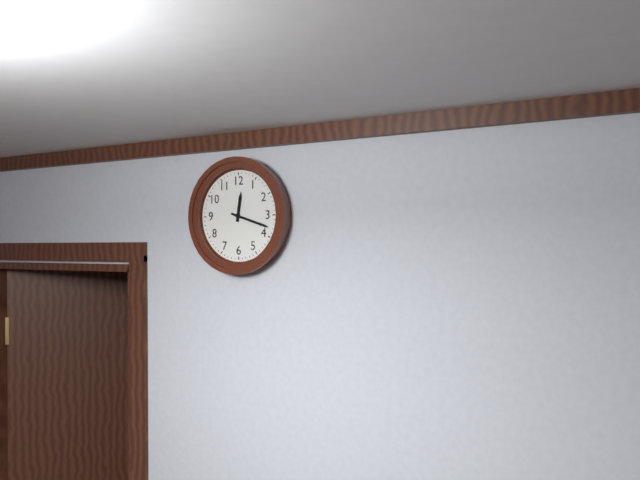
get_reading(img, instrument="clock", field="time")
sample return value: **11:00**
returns **12:18**
